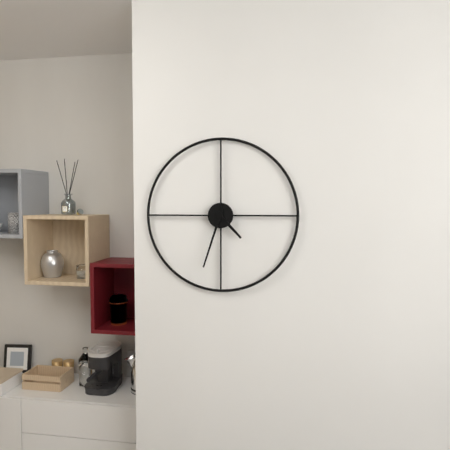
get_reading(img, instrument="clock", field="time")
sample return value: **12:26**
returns **4:33**
